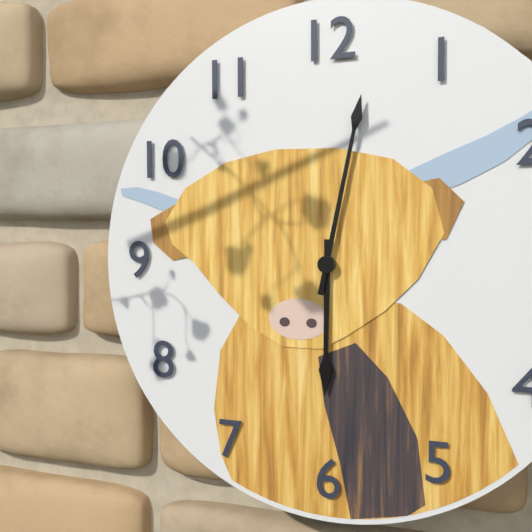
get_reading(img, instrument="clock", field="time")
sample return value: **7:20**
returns **6:02**
